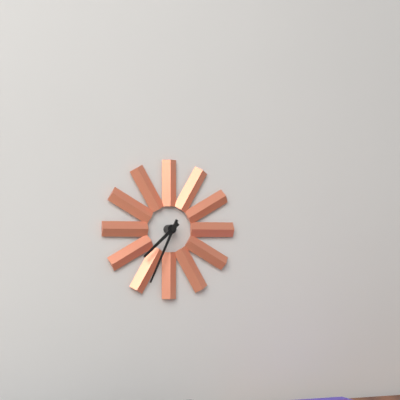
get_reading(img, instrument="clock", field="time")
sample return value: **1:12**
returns **7:34**
